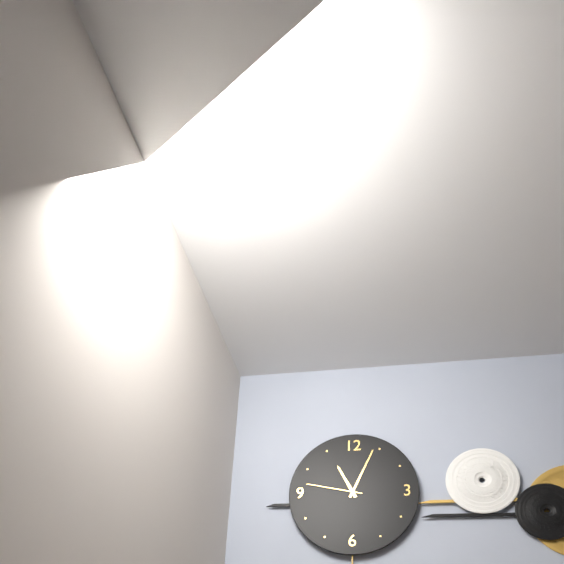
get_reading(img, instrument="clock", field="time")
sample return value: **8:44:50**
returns **11:04:47**
